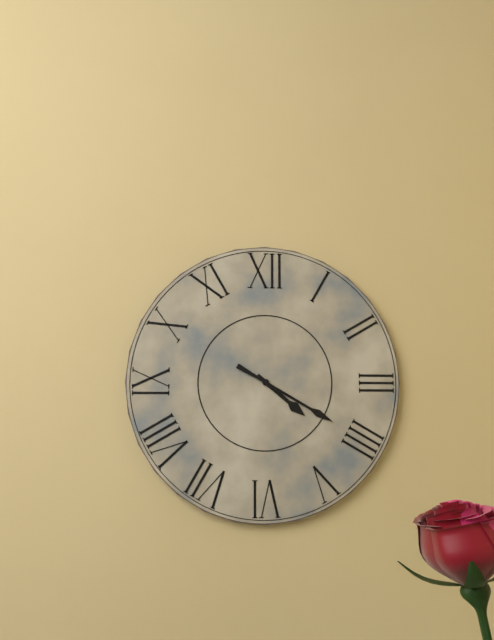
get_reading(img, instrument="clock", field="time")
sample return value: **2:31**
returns **4:20**
